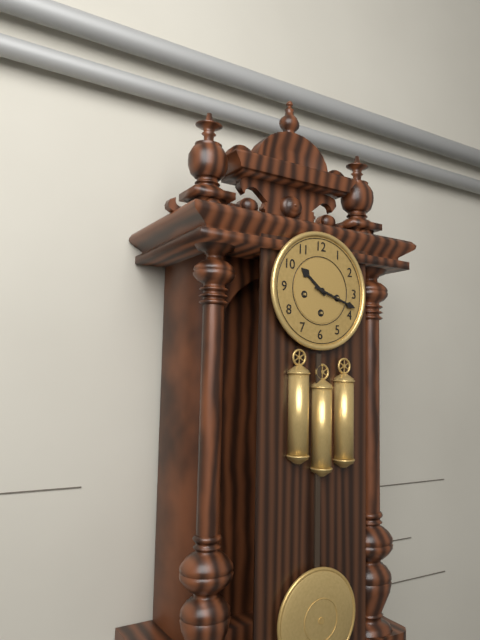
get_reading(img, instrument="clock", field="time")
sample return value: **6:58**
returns **10:18**
